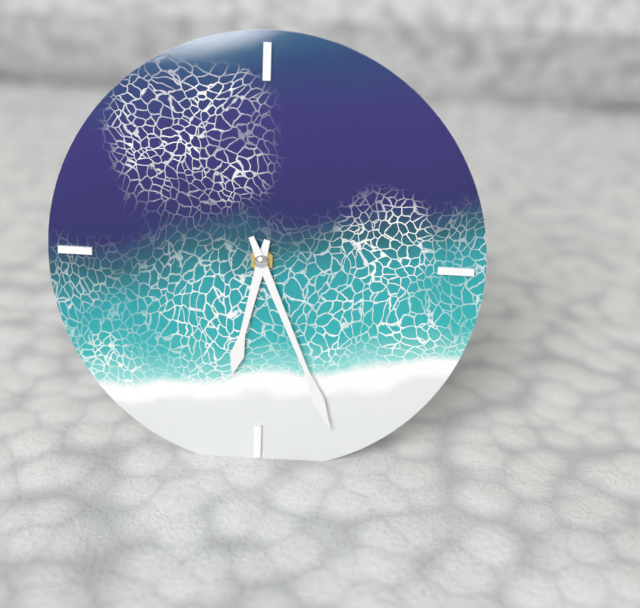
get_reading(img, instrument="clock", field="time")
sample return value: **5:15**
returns **6:26**
